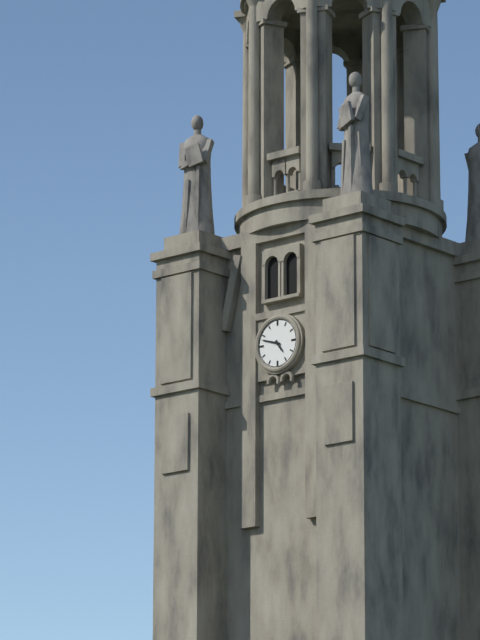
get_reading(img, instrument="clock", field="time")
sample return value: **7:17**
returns **4:48**
